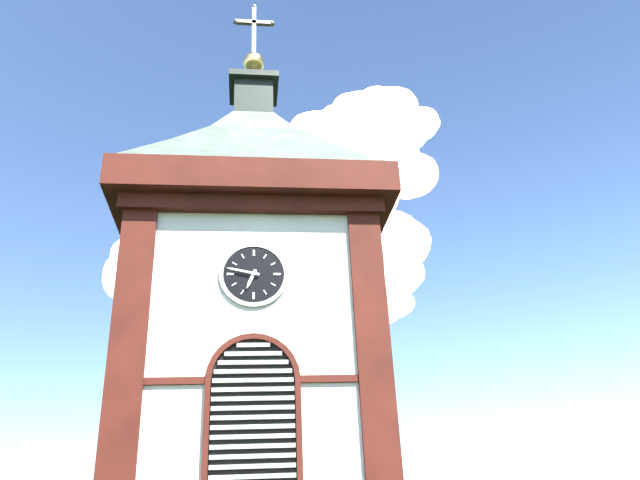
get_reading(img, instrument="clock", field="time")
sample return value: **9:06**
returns **6:47**
